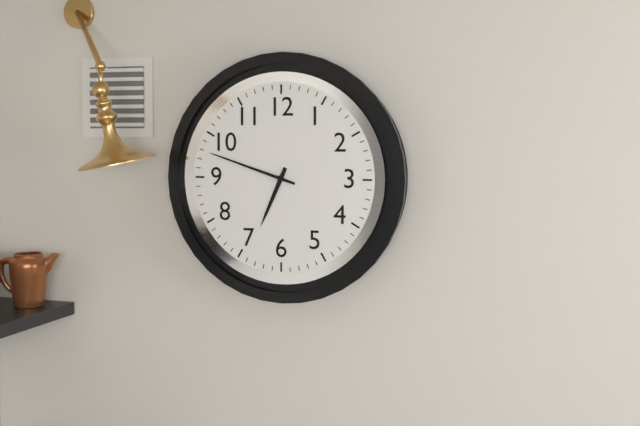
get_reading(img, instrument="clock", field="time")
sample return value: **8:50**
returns **6:48**
